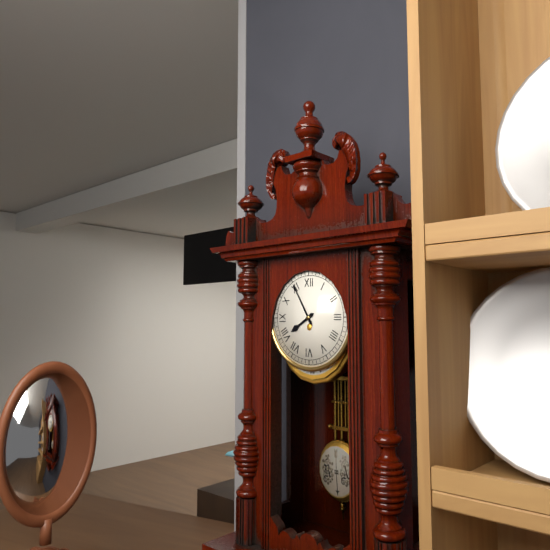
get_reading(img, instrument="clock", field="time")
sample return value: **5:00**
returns **7:55**
